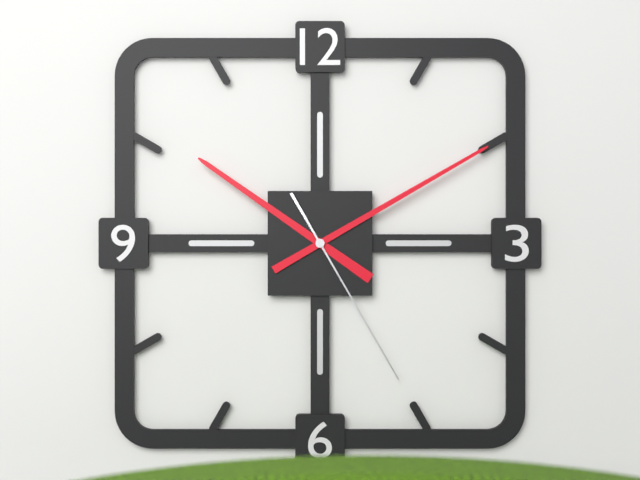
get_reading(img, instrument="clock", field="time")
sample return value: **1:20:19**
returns **10:10:25**
